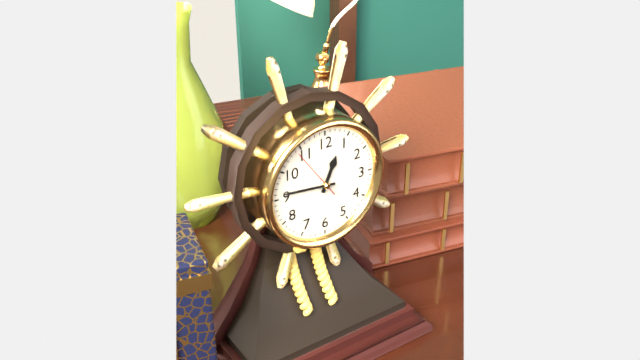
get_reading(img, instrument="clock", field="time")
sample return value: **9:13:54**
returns **12:46:54**
